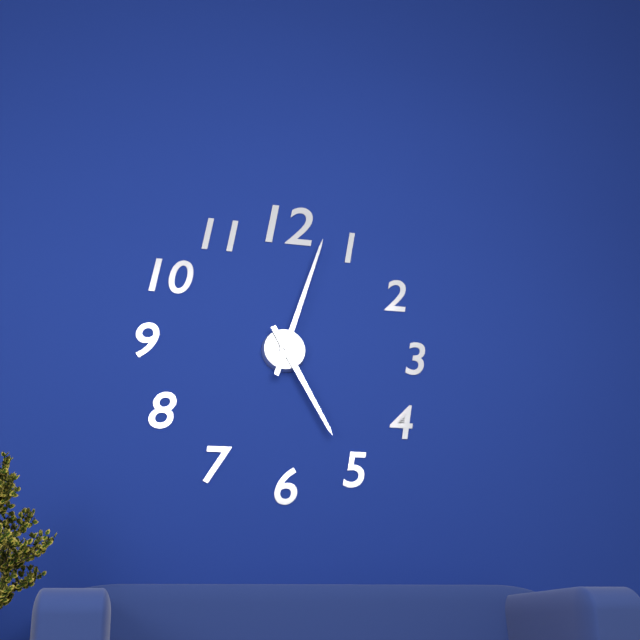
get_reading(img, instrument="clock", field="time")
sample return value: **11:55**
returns **5:03**
